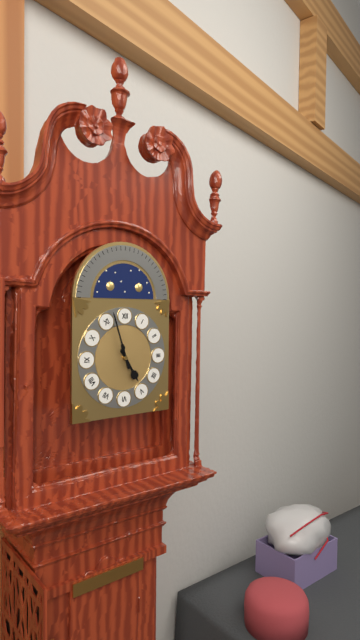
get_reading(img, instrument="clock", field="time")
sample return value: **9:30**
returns **4:57**
